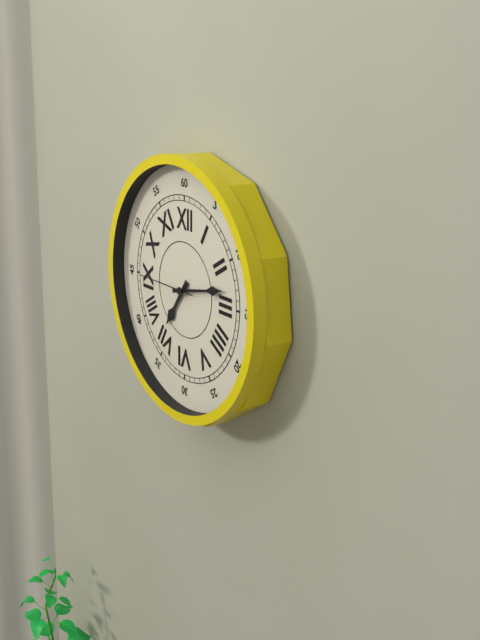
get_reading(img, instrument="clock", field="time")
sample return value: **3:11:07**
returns **7:13:45**
